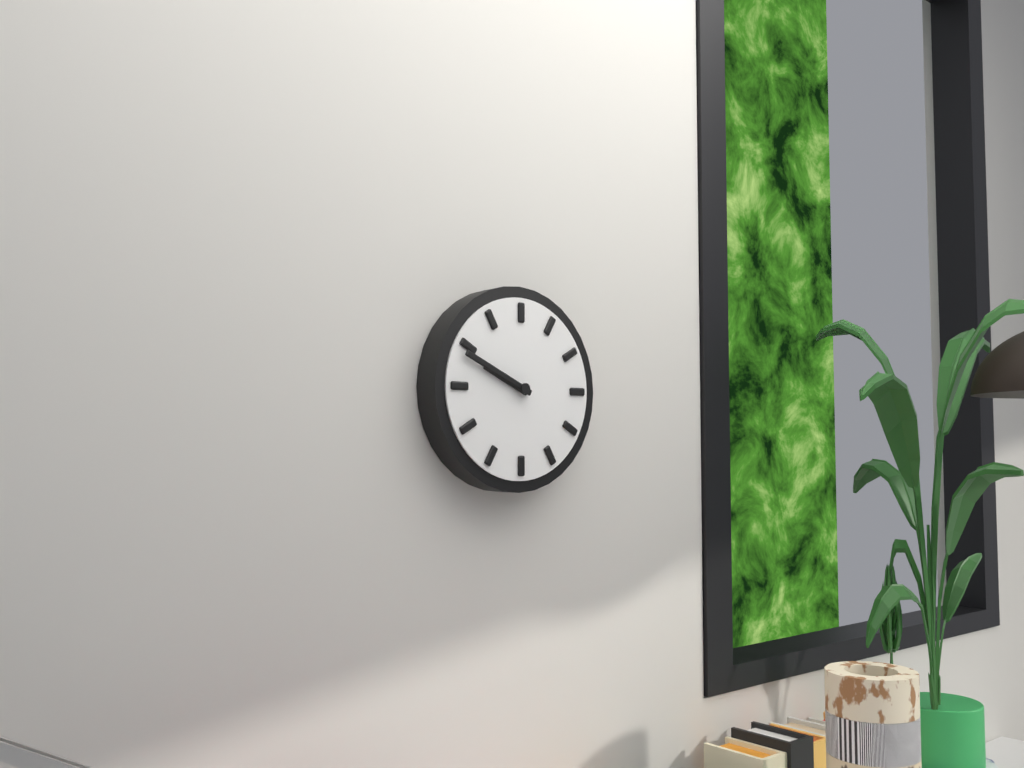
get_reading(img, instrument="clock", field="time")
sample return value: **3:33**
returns **9:49**
